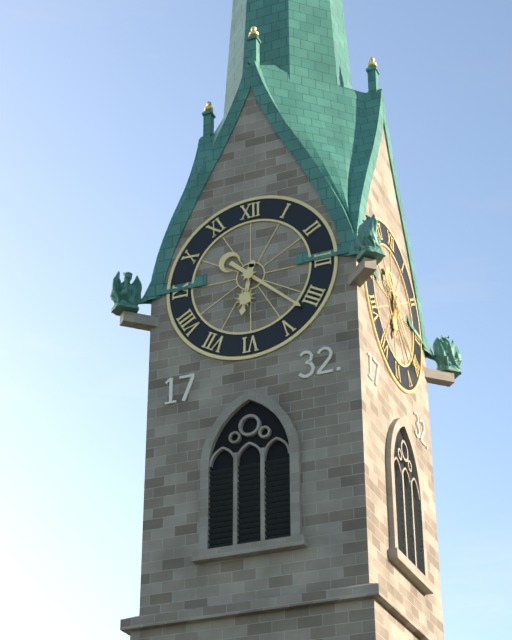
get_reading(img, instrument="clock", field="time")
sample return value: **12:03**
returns **6:22**
